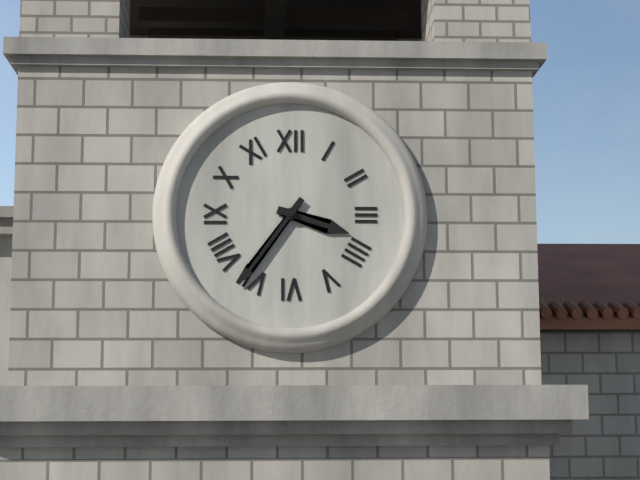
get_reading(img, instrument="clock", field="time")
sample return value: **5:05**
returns **3:36**
